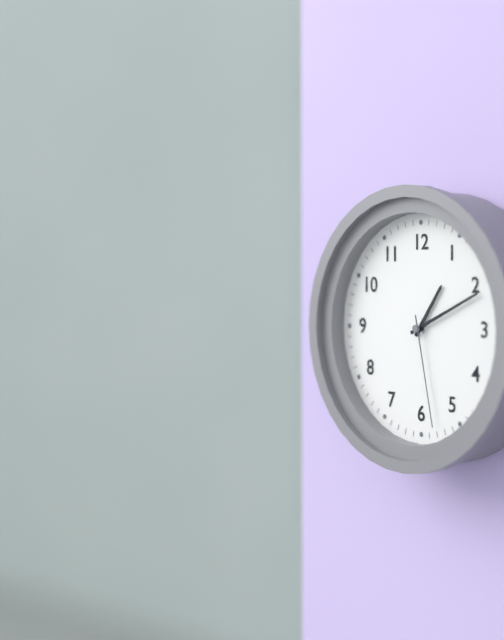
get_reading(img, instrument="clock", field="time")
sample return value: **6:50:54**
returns **1:11:28**
